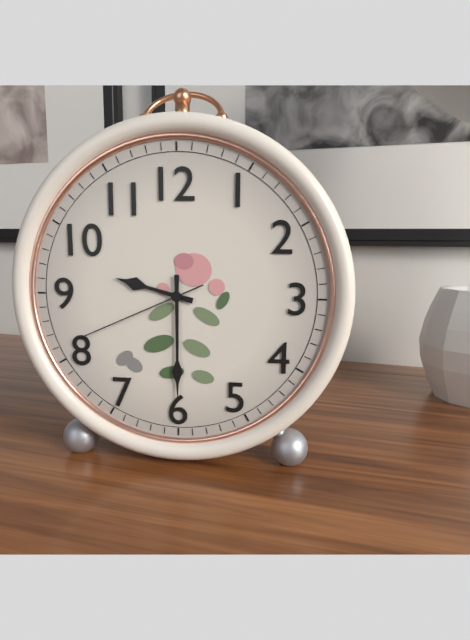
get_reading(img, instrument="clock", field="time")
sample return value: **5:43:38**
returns **9:30:41**
